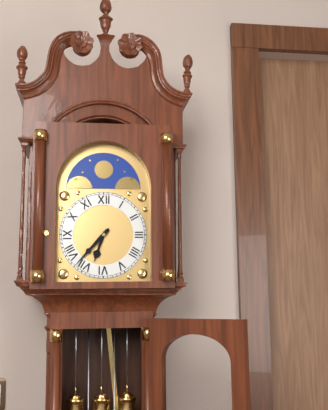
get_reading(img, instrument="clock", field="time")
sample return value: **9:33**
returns **6:37**
